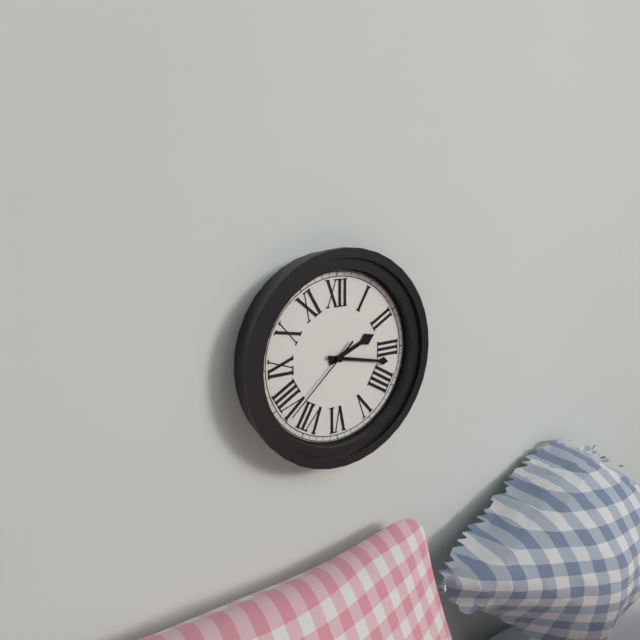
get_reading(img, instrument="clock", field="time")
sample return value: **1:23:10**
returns **2:17:38**
